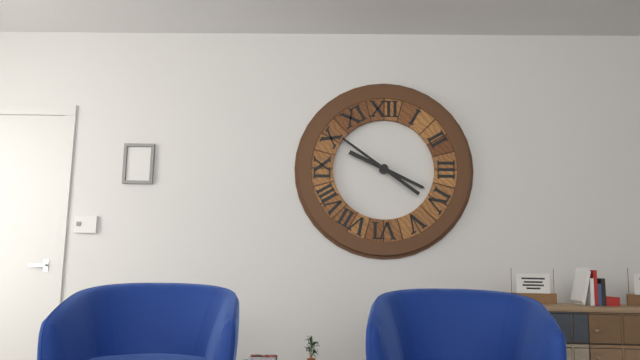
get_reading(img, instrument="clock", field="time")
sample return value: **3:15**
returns **3:51**
